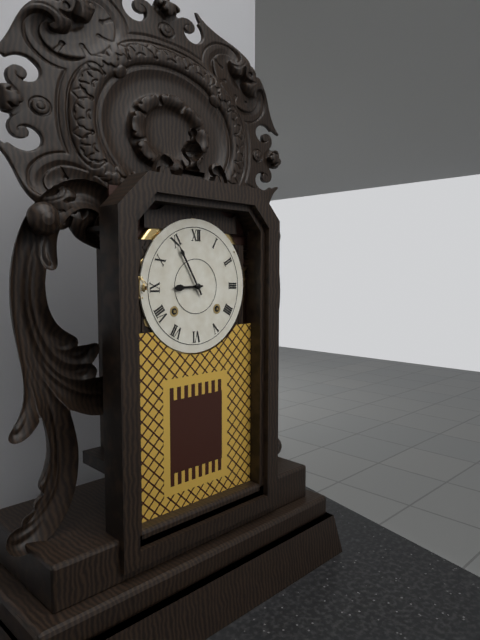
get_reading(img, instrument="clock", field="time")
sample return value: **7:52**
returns **8:55**
